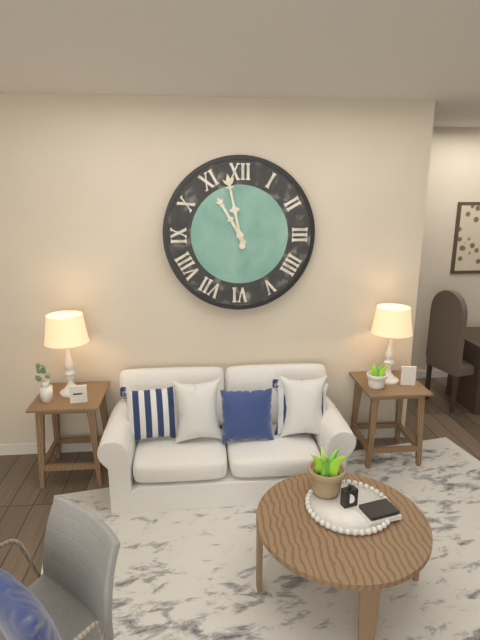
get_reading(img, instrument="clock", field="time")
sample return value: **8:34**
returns **10:58**
